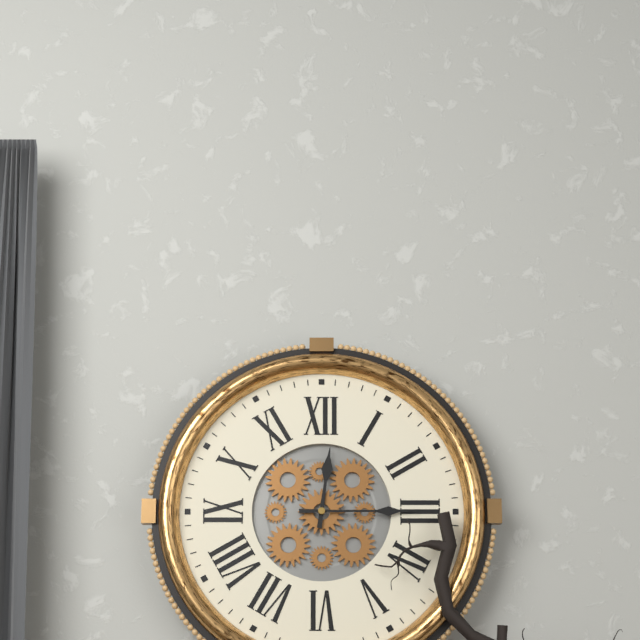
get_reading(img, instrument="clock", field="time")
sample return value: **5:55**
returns **12:15**
